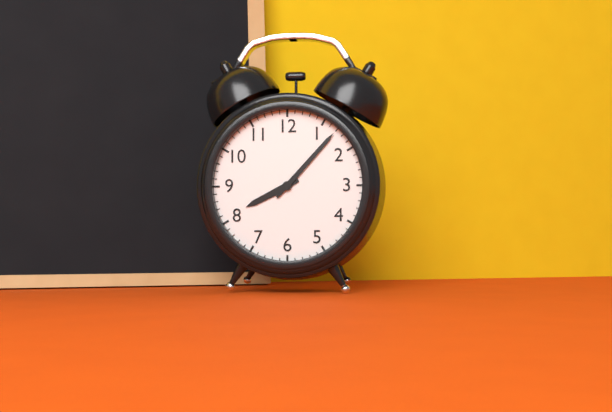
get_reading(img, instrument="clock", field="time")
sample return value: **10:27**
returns **8:07**
